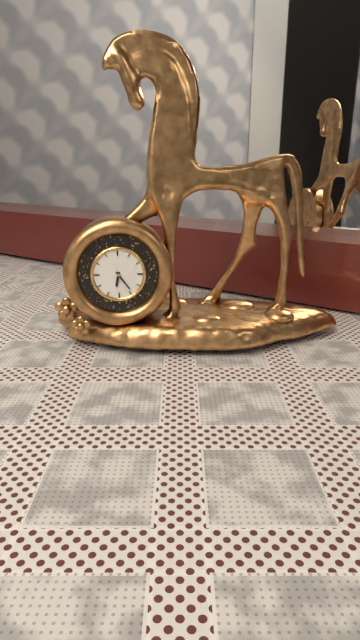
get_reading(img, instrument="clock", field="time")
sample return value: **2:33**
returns **6:24**
